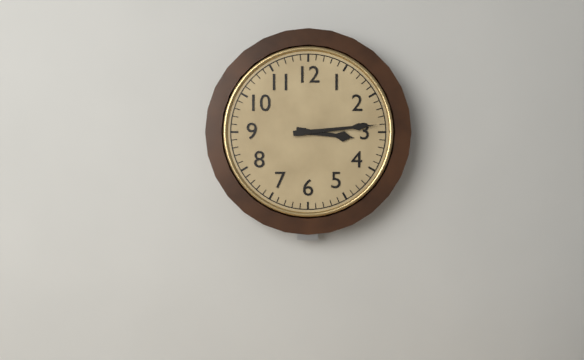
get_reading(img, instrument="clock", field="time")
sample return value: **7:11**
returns **3:14**
